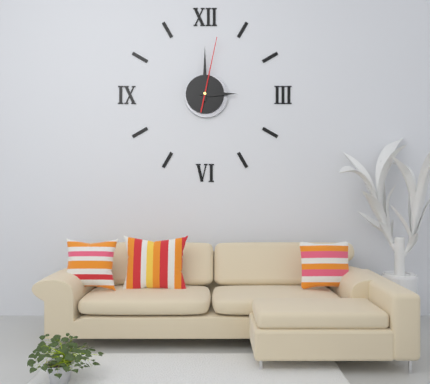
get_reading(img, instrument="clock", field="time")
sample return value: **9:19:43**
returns **3:00:02**
